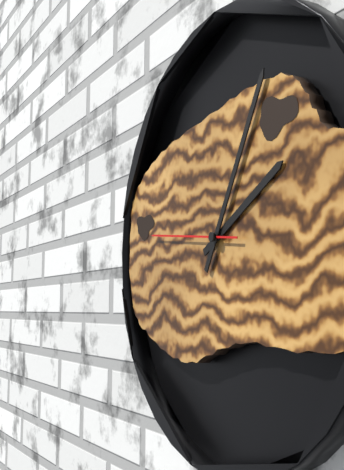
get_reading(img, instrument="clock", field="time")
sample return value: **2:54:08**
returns **2:05:46**
